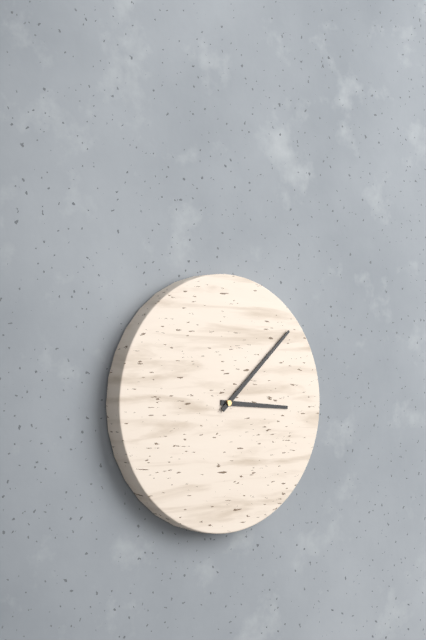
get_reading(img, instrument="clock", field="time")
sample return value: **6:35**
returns **3:08**
